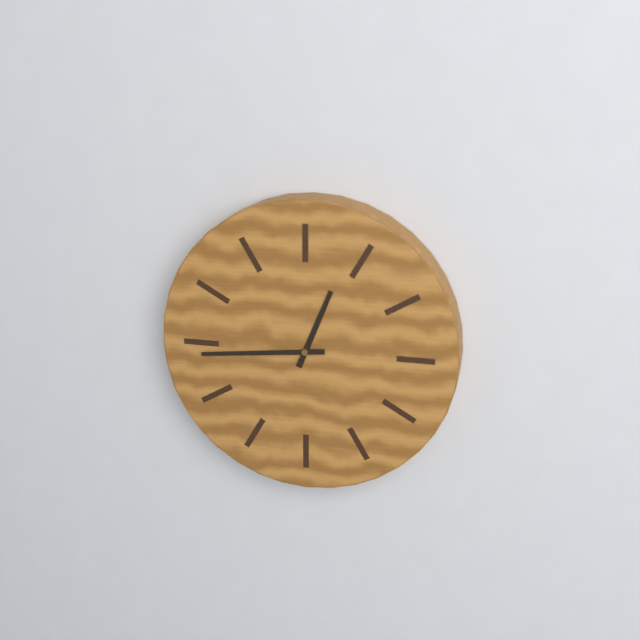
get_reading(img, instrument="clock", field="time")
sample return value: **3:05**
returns **12:44**
